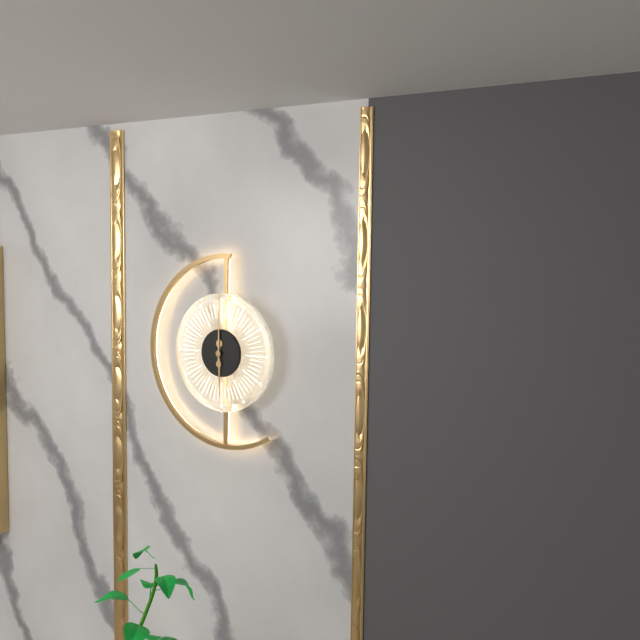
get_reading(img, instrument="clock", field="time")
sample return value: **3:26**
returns **6:00**
